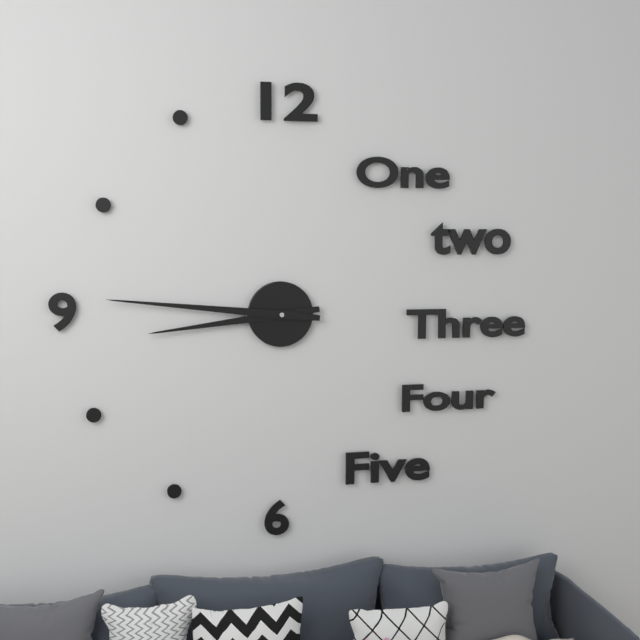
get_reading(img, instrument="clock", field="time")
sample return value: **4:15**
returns **8:46**
